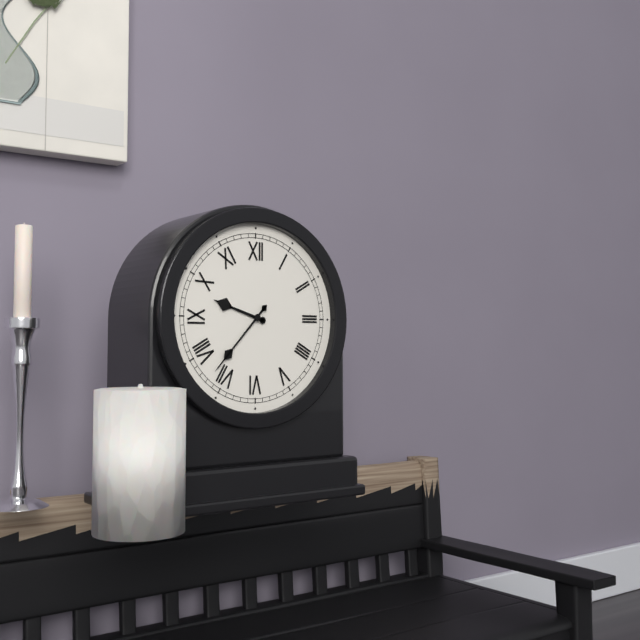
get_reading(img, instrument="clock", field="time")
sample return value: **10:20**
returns **9:37**
